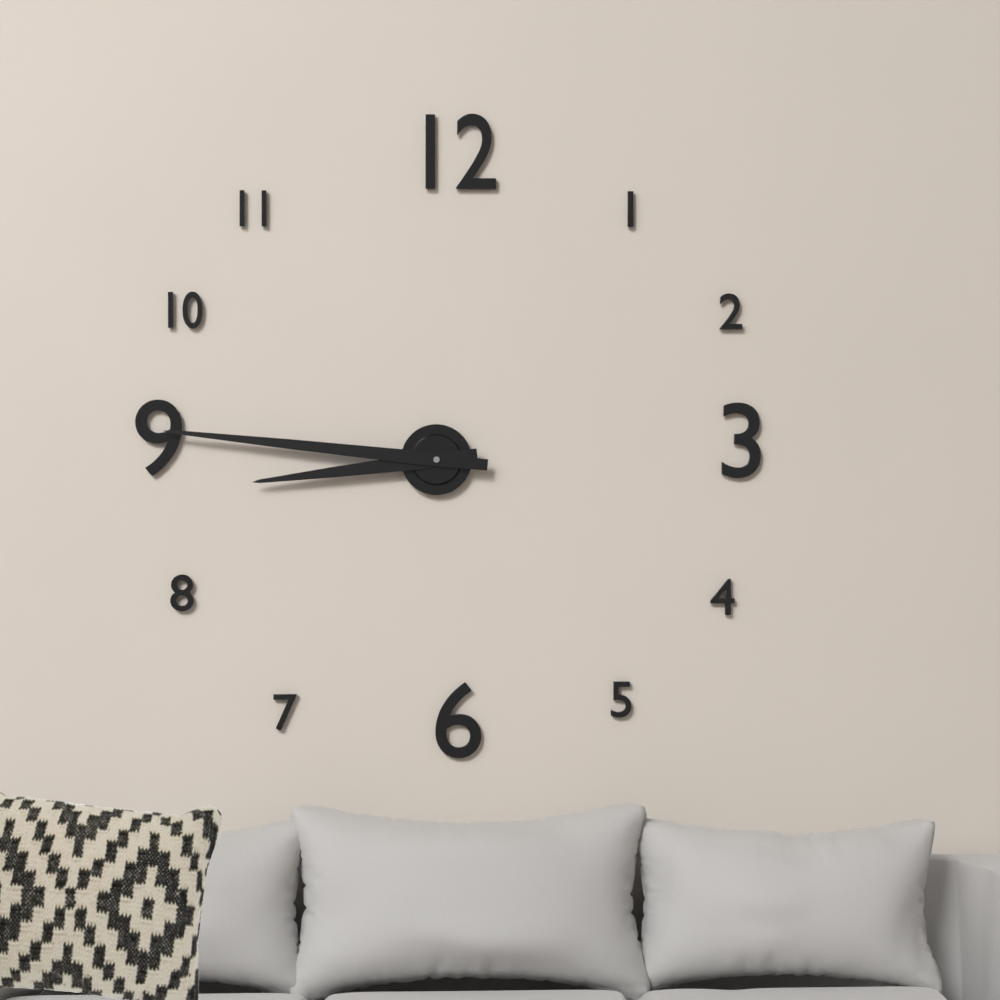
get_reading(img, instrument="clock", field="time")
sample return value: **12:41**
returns **8:46**
